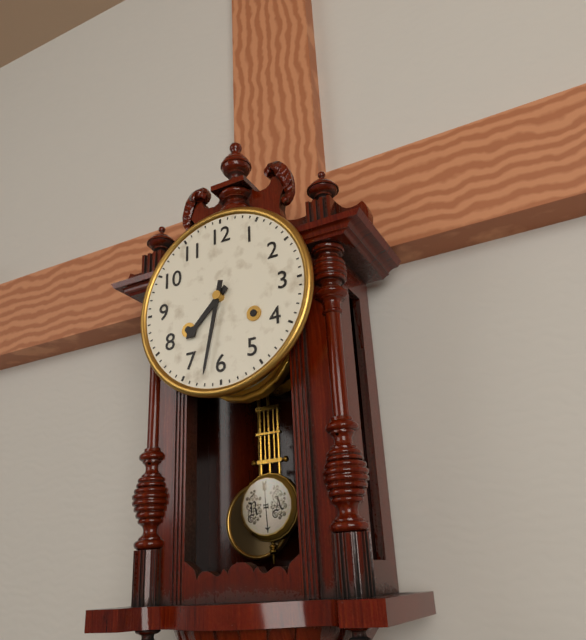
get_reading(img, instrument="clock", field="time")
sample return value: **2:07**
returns **7:32**
